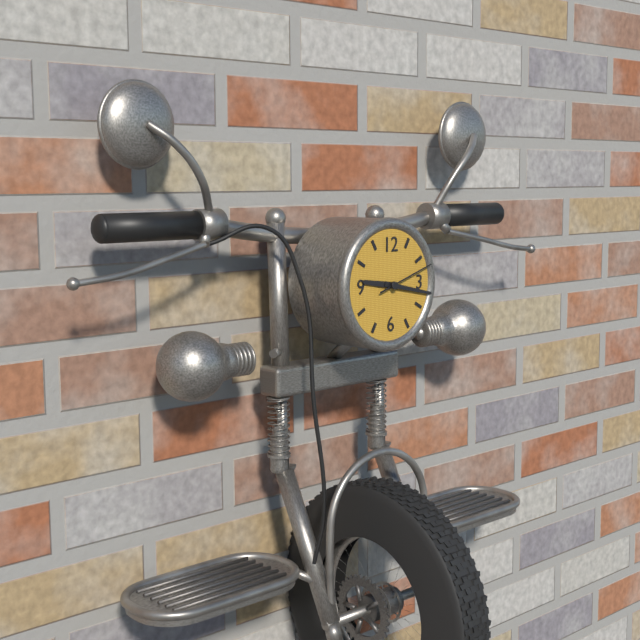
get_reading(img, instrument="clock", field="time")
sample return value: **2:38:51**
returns **9:17:12**
